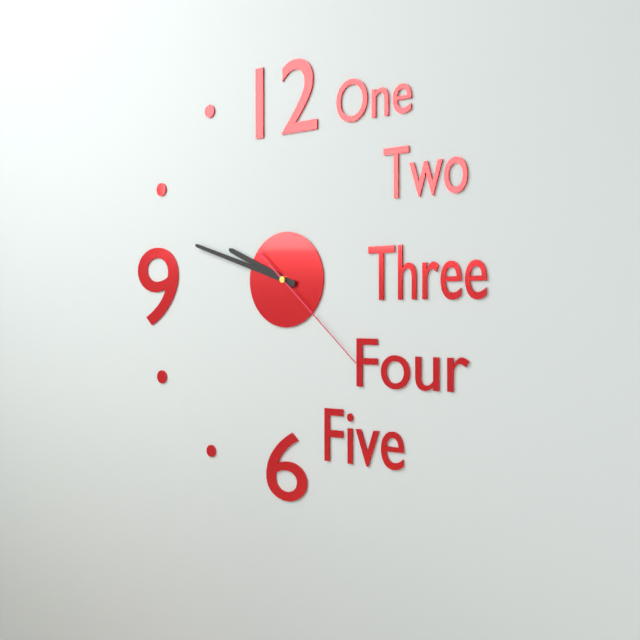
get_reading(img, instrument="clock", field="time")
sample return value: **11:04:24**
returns **9:48:22**
